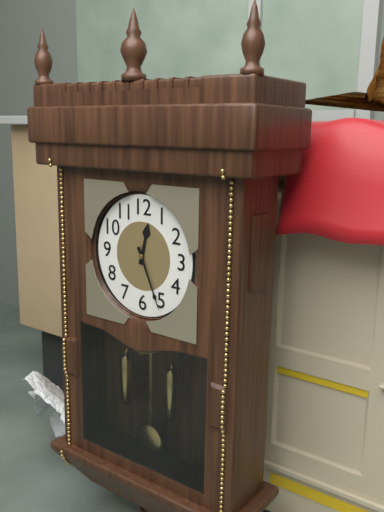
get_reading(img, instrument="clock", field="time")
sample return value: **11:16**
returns **12:26**
